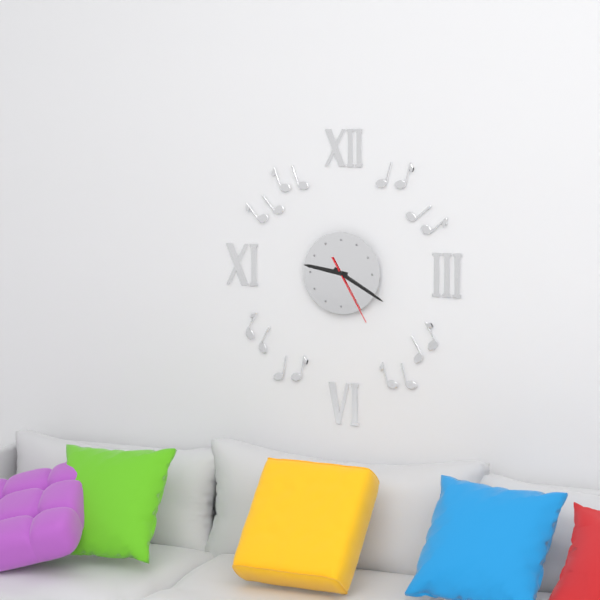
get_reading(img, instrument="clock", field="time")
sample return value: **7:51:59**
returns **9:20:25**
